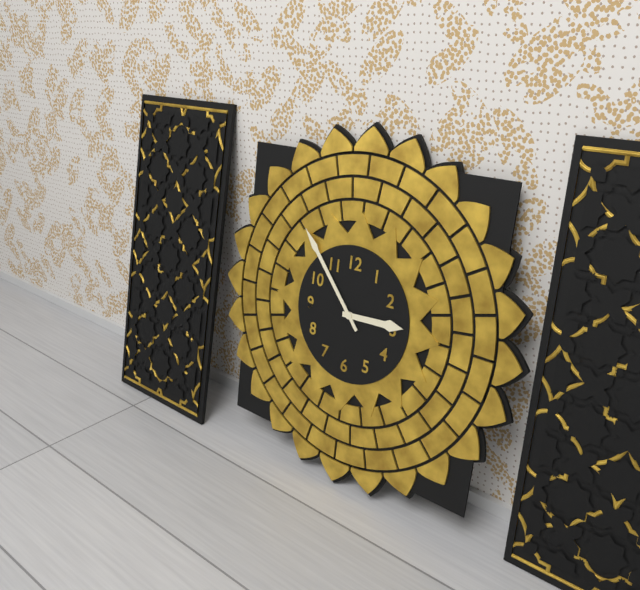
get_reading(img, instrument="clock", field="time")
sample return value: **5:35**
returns **2:53**
